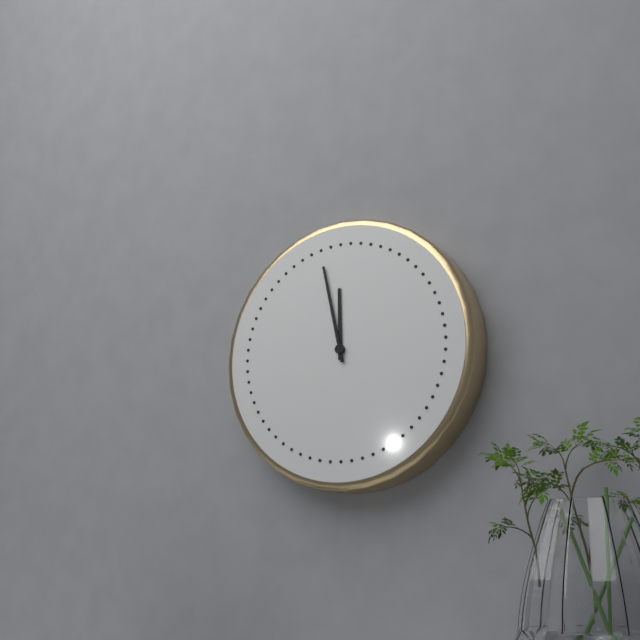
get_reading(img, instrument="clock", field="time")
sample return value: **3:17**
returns **11:58**
